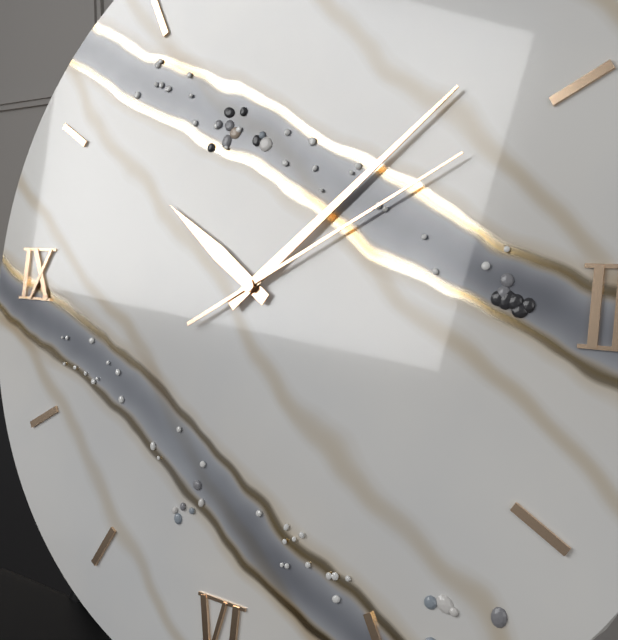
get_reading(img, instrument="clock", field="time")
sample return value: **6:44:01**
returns **10:08:10**
